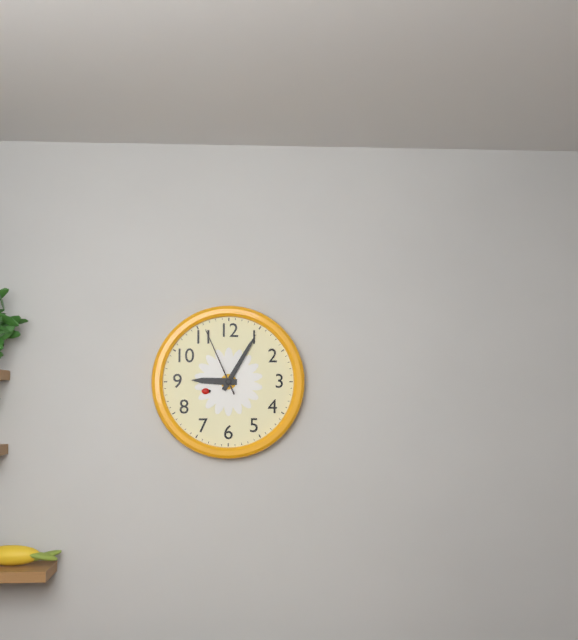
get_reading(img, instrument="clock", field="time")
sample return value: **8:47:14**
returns **9:05:56**
